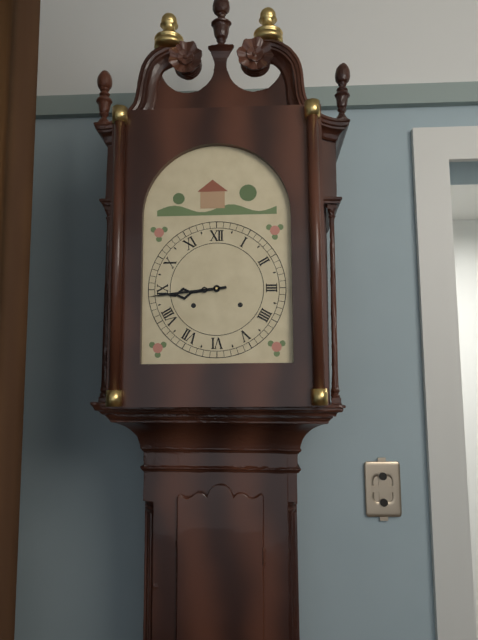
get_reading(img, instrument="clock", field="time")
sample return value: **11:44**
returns **8:44**
